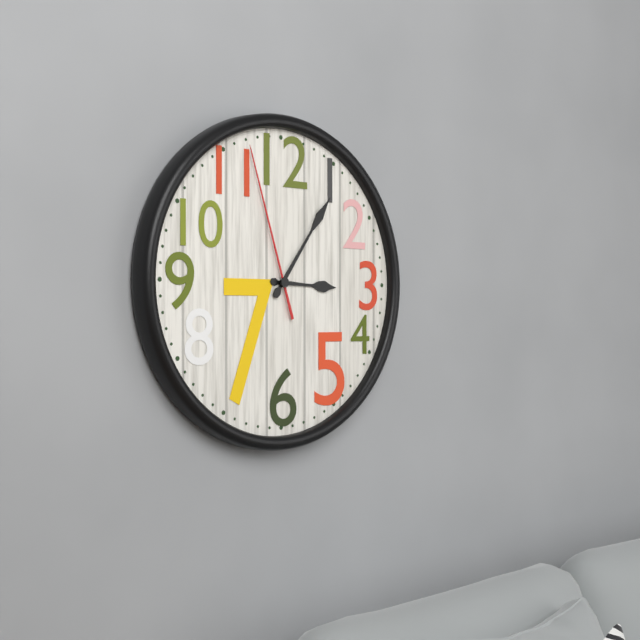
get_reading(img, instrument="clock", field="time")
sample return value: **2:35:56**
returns **3:06:57**
